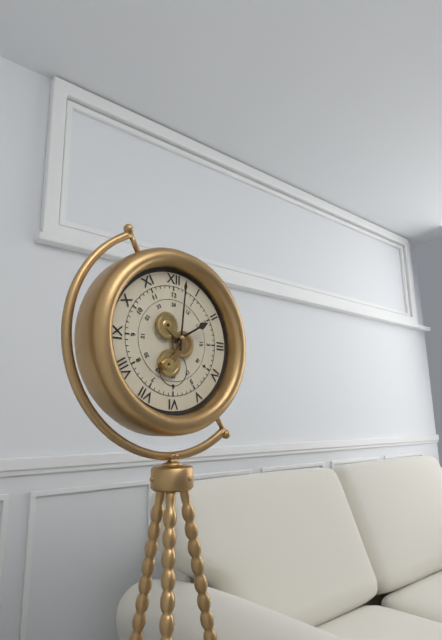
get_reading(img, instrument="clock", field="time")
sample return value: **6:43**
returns **2:01**
